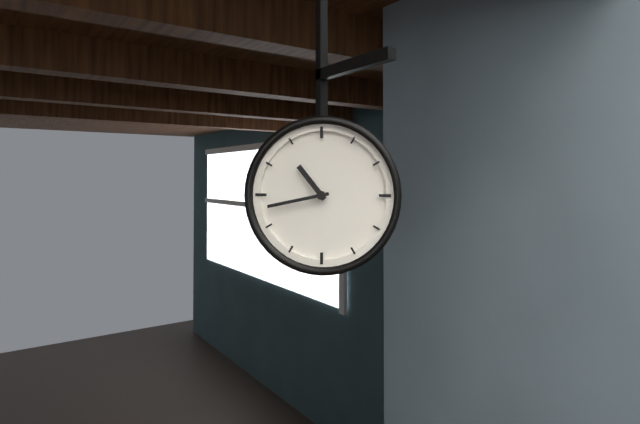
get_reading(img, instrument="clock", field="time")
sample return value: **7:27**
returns **10:43**
